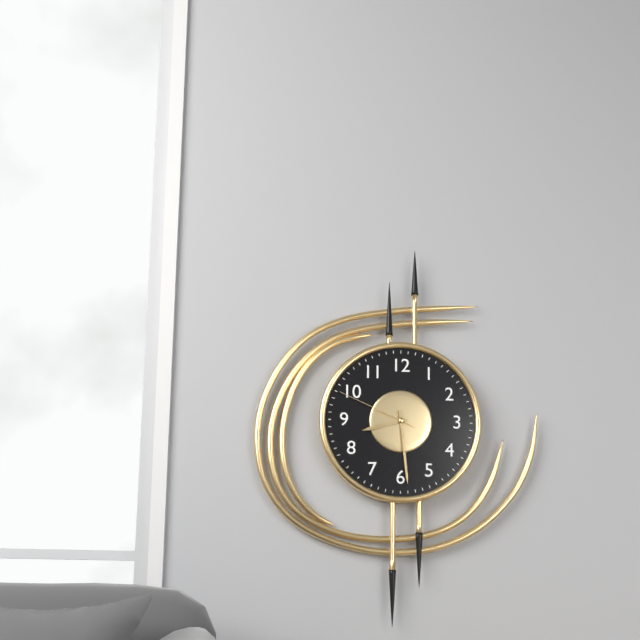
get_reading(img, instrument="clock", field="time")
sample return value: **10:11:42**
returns **8:29:49**
